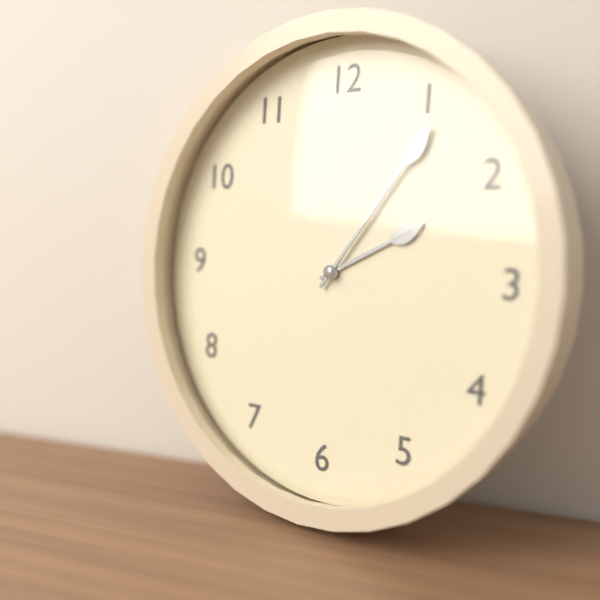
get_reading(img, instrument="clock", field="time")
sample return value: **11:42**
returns **2:06**
